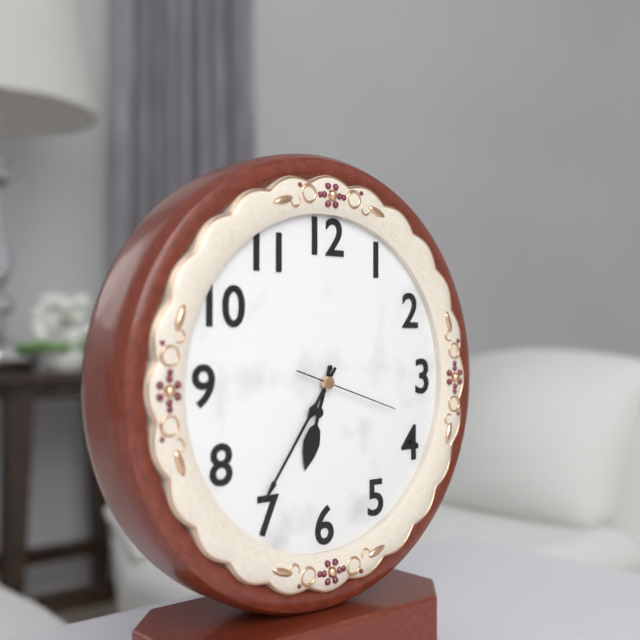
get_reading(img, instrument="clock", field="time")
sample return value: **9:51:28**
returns **6:36:18**
